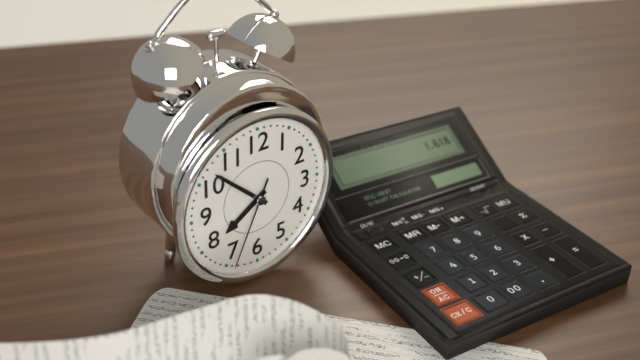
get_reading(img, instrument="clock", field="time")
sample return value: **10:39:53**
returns **7:52:34**
